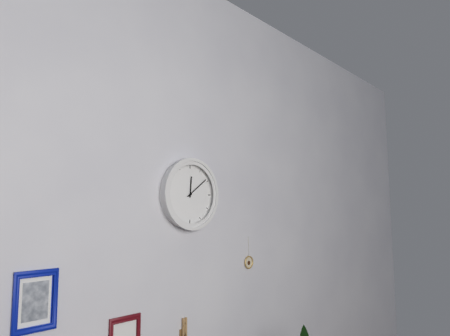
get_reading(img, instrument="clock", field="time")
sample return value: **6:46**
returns **12:09**
